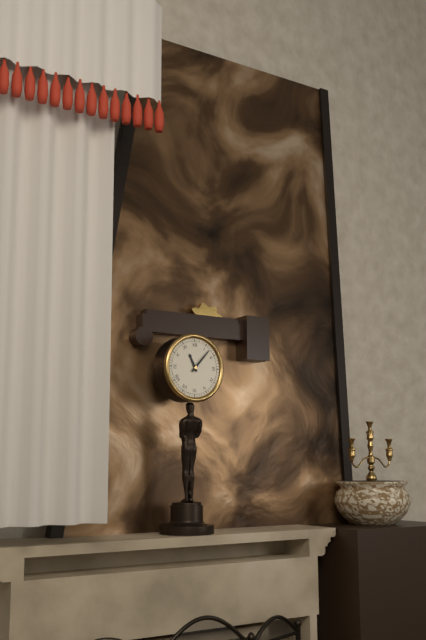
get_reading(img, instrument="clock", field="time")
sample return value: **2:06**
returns **11:07**
